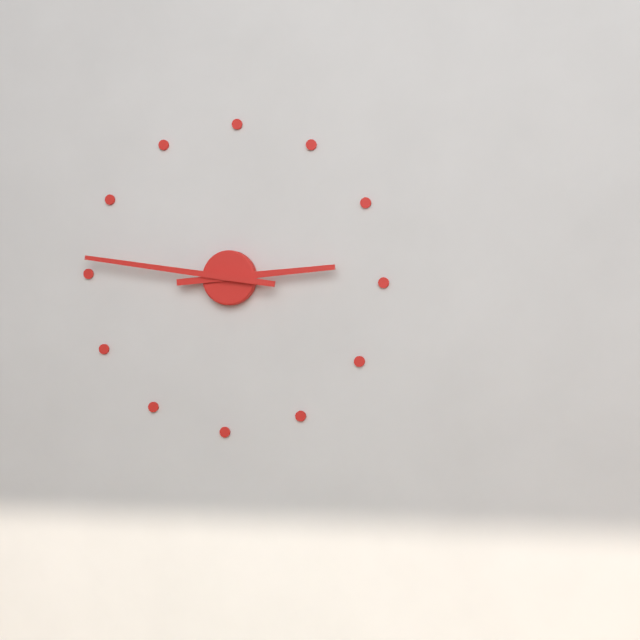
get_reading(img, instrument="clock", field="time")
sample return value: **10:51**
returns **2:46**
